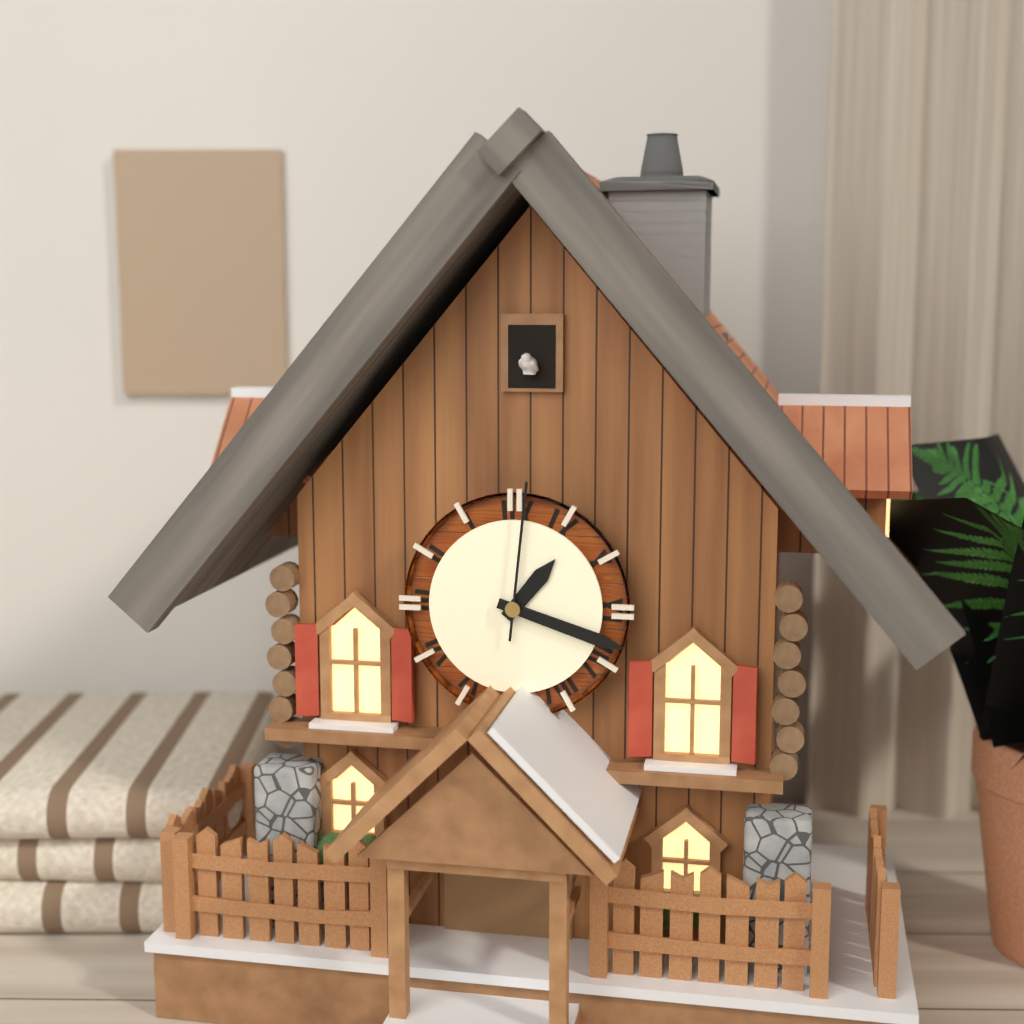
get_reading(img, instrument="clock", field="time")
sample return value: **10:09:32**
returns **1:18:01**
